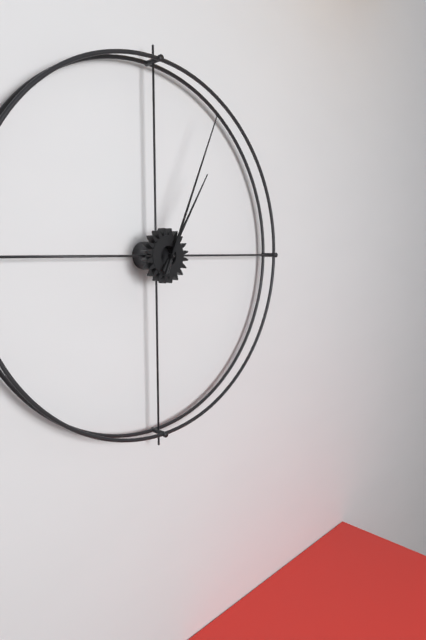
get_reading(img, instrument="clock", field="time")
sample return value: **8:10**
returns **1:04**
